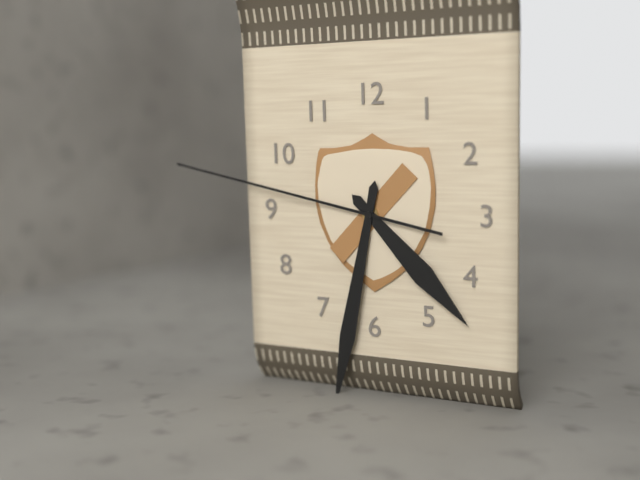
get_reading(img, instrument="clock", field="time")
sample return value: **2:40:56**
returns **4:32:47**
